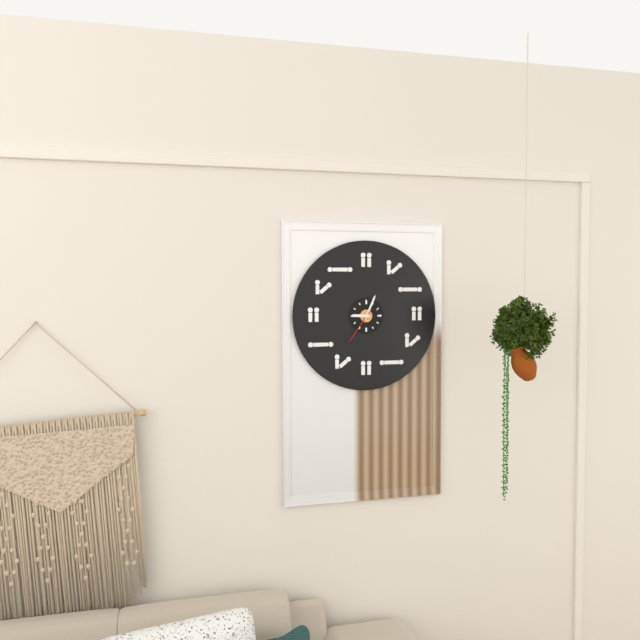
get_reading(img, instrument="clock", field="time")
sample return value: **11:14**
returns **9:04**
